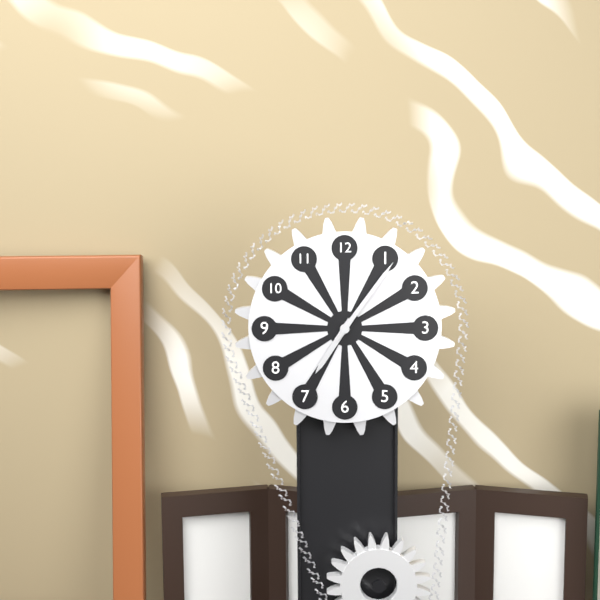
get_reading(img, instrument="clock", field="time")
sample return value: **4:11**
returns **7:06**
